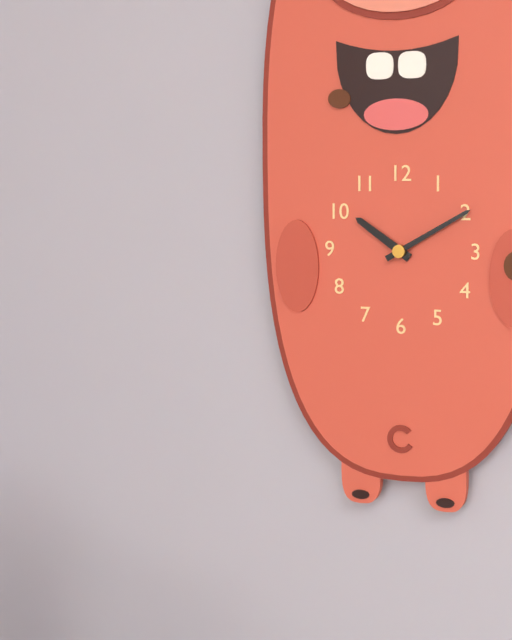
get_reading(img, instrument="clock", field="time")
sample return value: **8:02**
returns **10:10**
